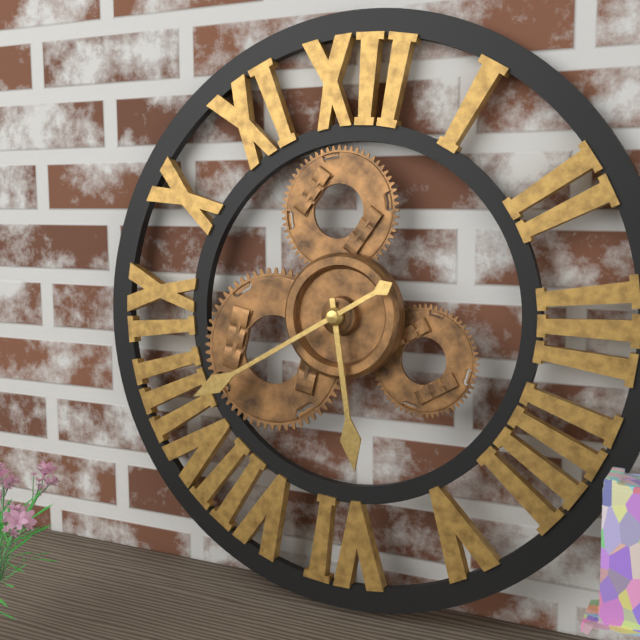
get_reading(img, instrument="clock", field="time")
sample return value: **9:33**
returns **5:40**
